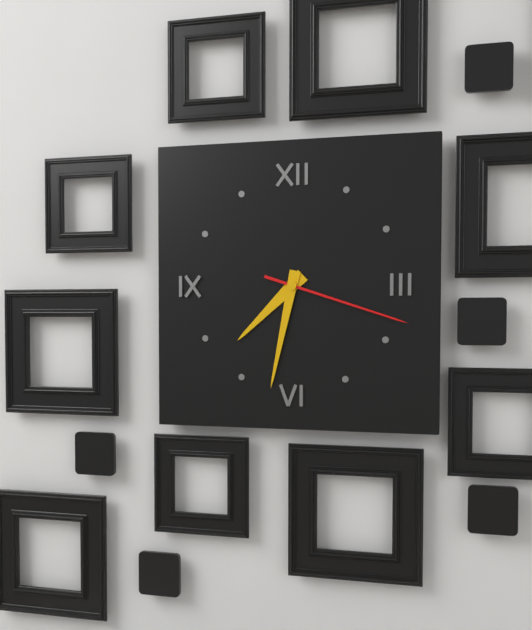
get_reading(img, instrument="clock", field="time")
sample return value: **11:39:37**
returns **7:32:18**
